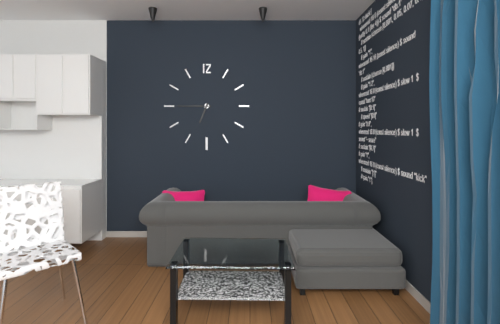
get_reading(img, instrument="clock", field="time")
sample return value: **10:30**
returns **6:45**
